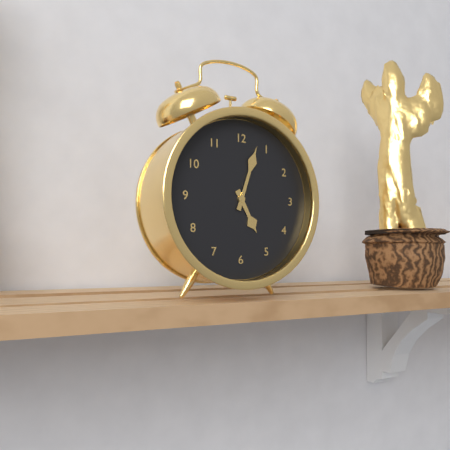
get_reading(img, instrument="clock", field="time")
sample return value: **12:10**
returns **5:03**
